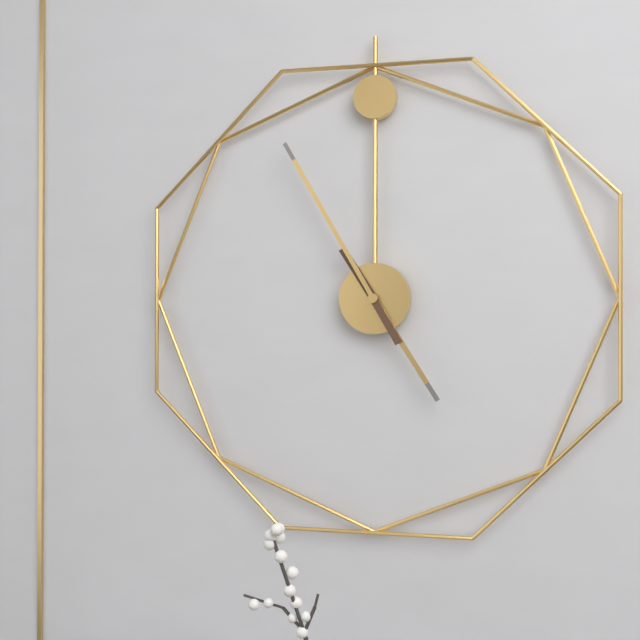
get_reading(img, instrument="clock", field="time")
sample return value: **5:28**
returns **4:55**
